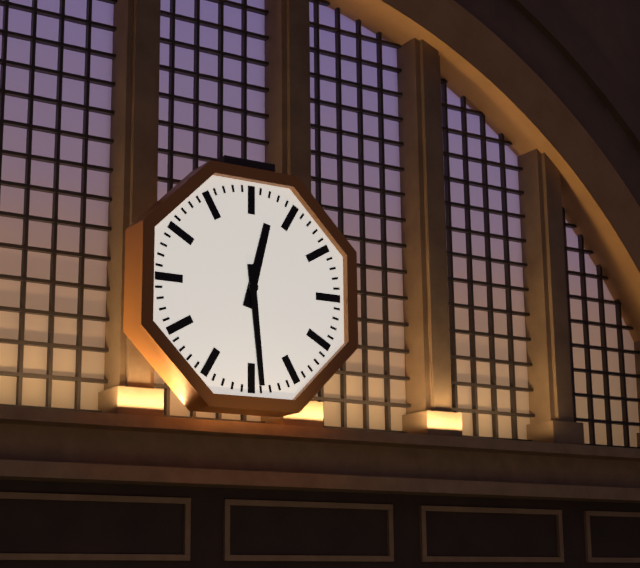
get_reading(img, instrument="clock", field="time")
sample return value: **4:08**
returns **12:29**
